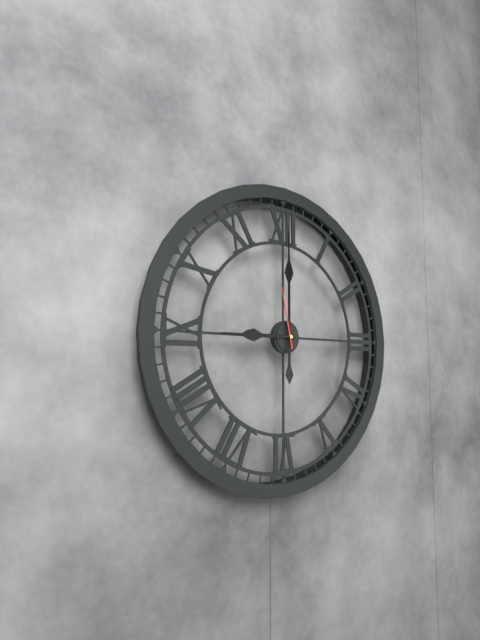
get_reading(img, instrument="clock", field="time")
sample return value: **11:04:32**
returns **9:00:58**
